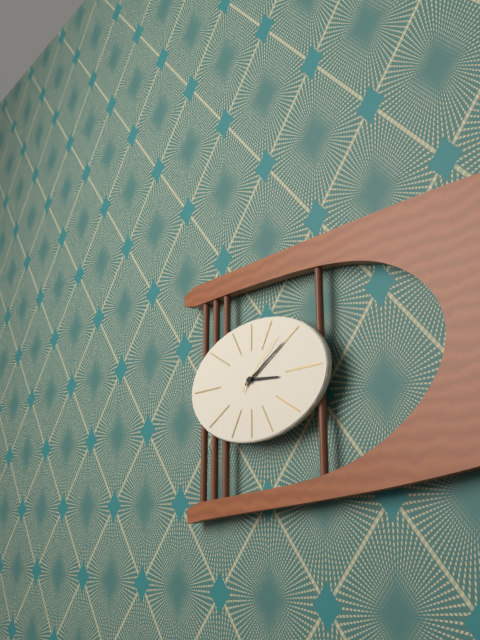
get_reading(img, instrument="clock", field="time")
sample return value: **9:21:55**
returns **3:10:08**
